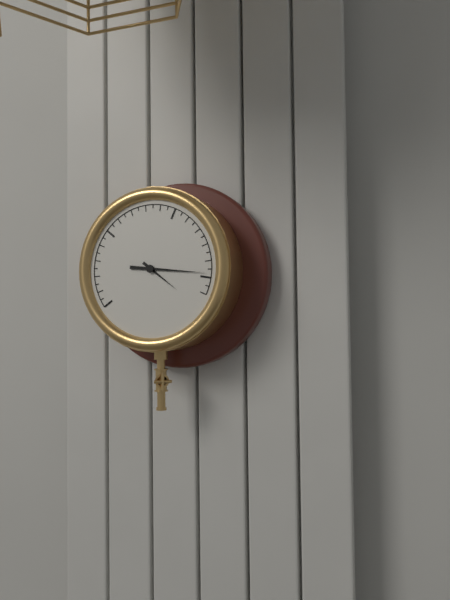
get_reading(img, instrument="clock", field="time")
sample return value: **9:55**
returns **4:16**
